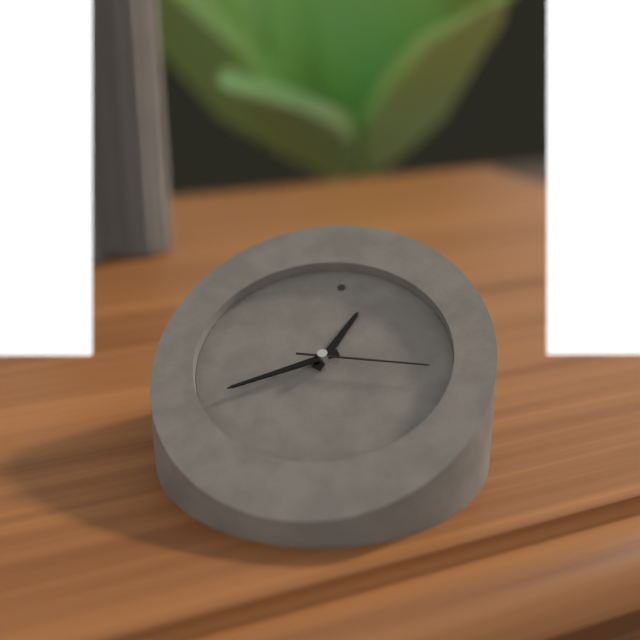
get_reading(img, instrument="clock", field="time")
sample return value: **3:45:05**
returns **12:40:15**
